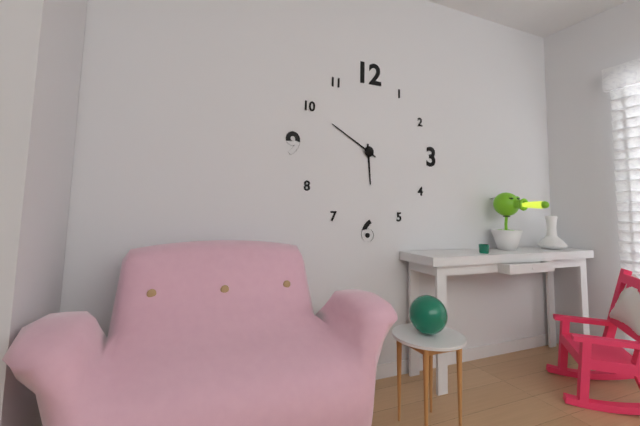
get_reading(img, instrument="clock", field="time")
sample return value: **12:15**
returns **5:50**
